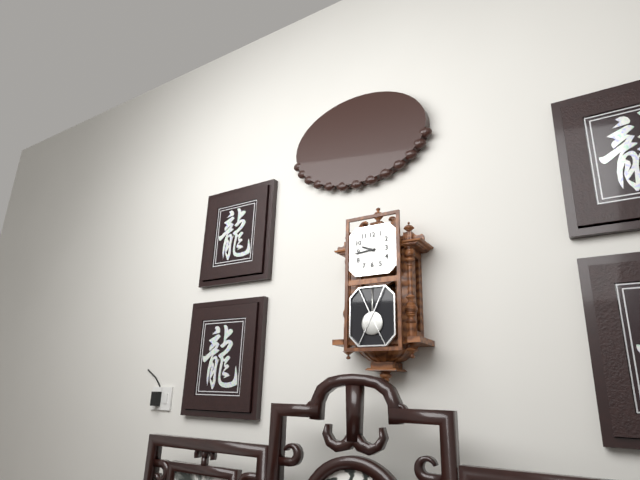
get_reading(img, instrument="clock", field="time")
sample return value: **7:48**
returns **9:44**
